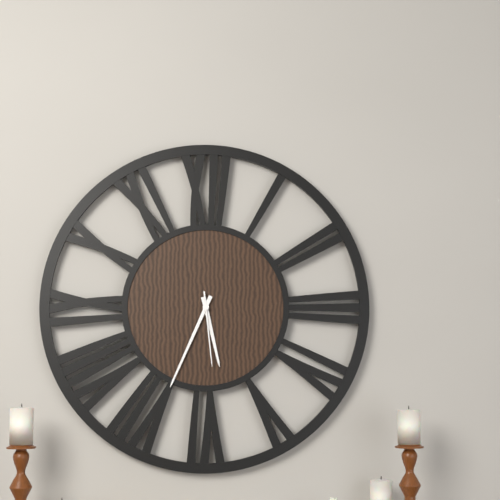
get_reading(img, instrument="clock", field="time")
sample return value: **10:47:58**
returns **5:34:29**
